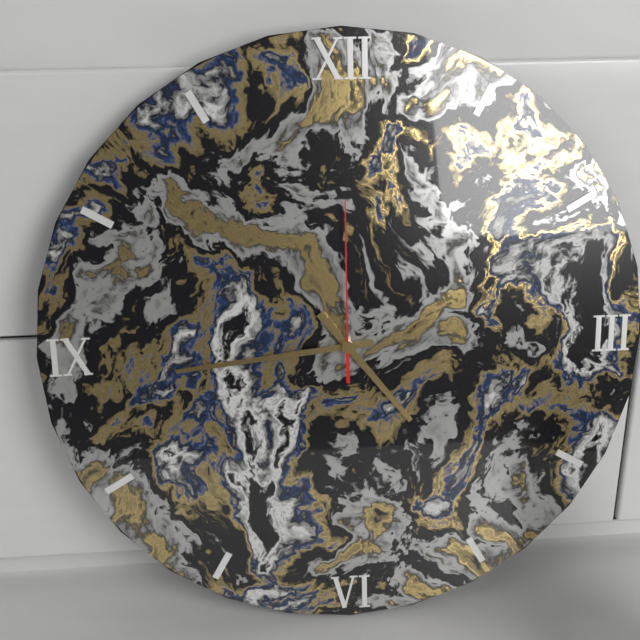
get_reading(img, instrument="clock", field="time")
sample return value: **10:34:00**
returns **4:44:00**
